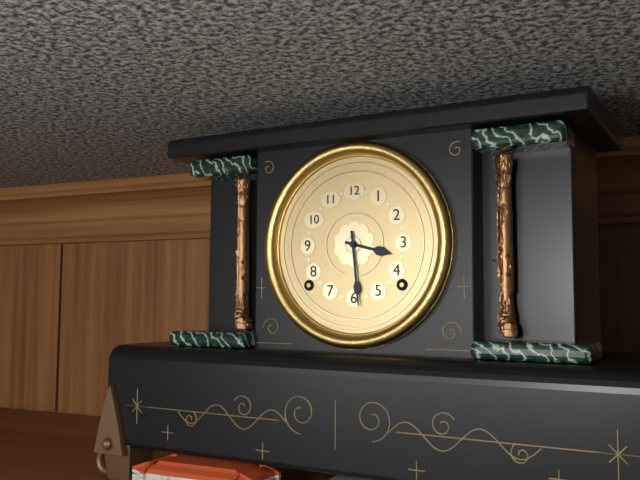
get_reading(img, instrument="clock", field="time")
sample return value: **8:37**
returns **3:29**
